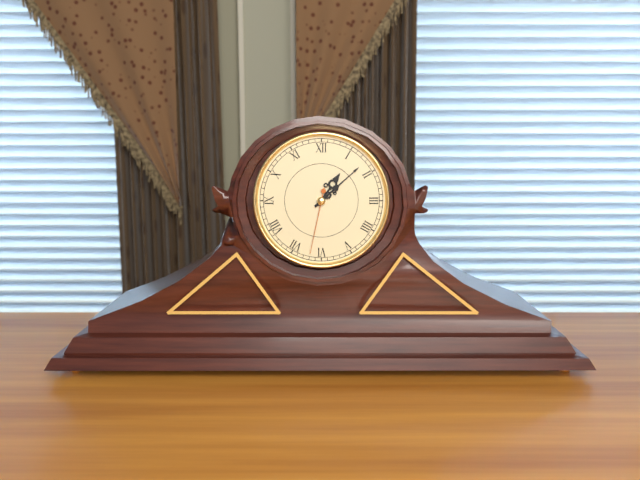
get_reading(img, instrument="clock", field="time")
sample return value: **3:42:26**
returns **1:08:32**
